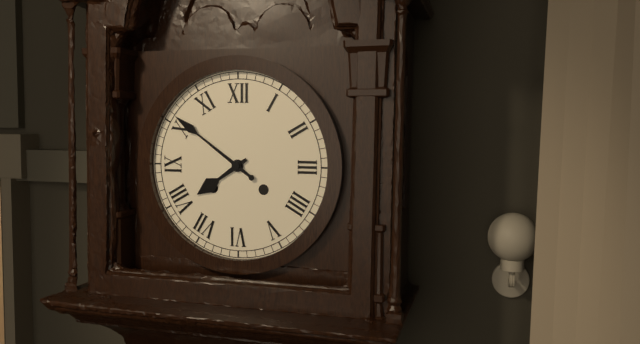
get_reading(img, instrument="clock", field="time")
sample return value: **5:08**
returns **7:51**
